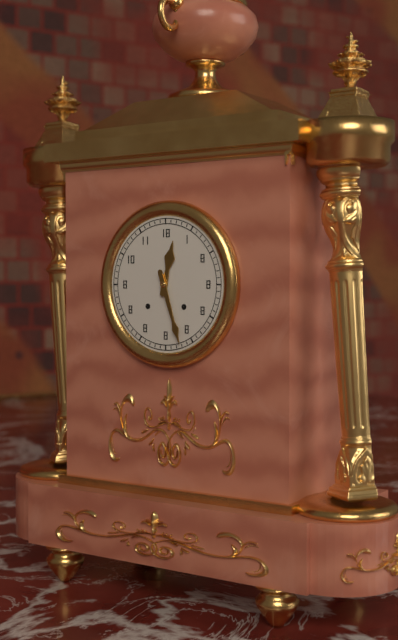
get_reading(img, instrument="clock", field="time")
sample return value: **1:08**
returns **12:27**
